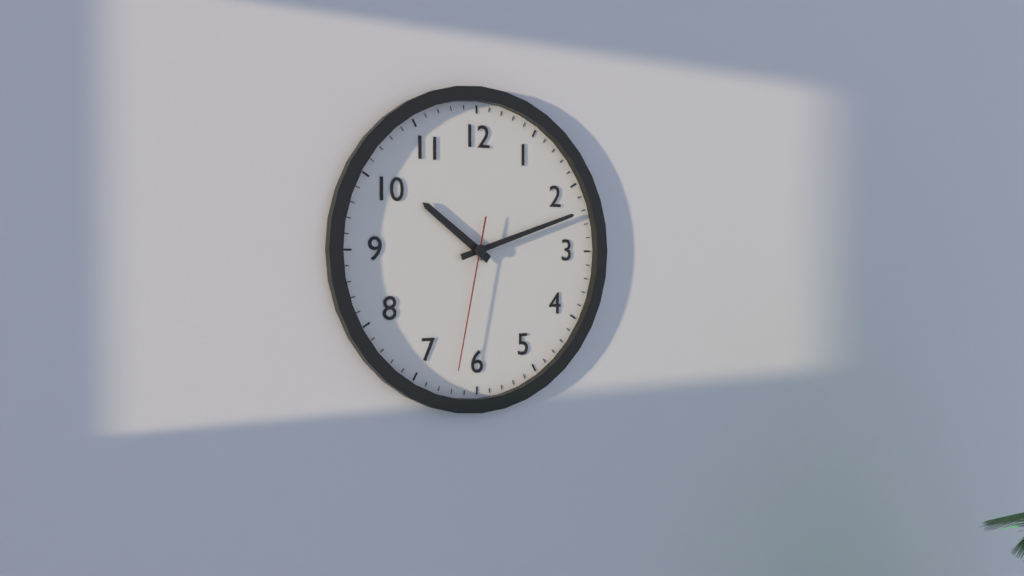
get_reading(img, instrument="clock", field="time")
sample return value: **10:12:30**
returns **10:12:32**
